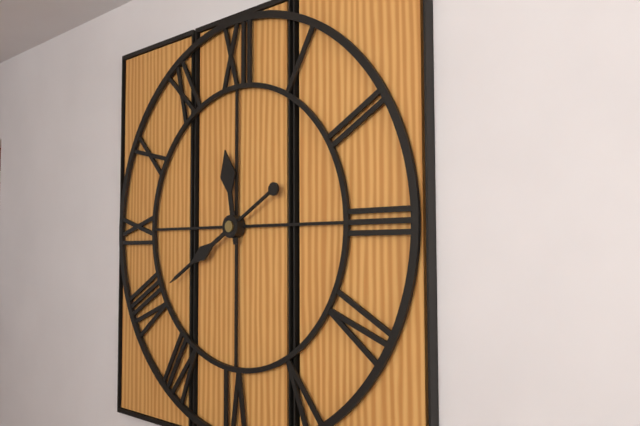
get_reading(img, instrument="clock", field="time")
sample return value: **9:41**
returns **11:40**
